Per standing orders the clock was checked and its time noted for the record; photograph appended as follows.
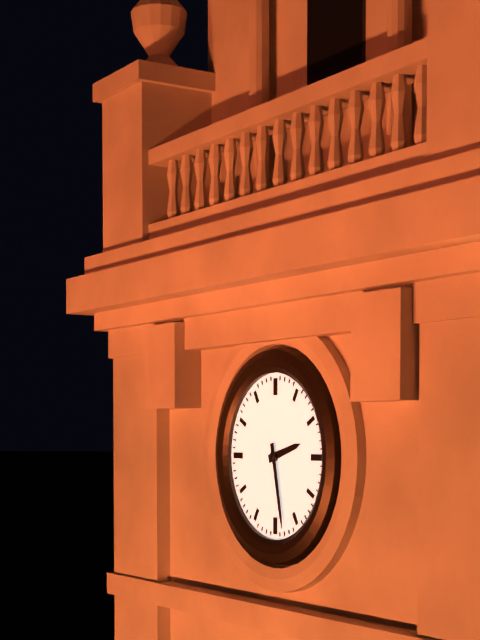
2:28
